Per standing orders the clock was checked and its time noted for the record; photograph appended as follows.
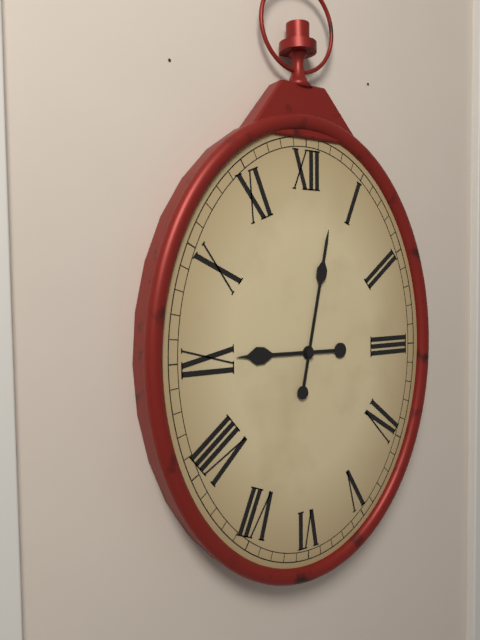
9:02
